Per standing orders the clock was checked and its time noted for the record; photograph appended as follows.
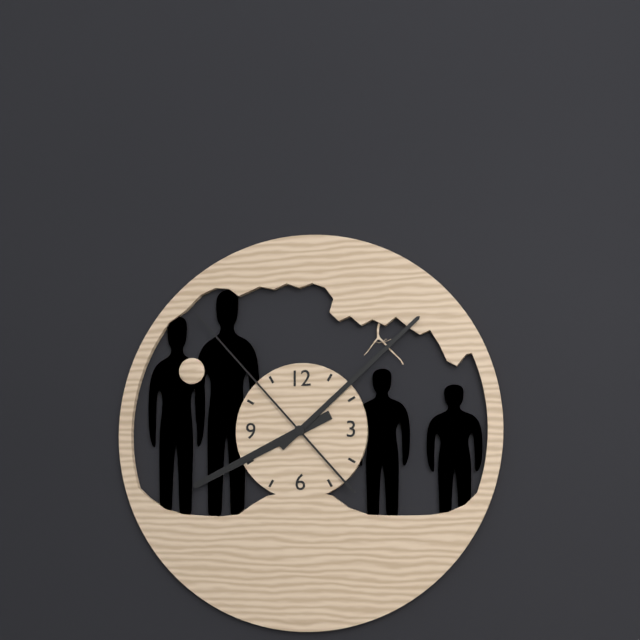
8:08:53
